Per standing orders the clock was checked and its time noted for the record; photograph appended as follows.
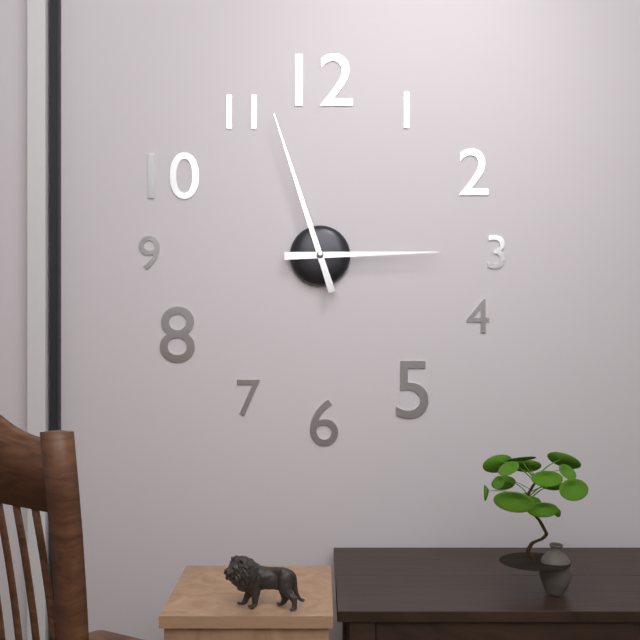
2:57
